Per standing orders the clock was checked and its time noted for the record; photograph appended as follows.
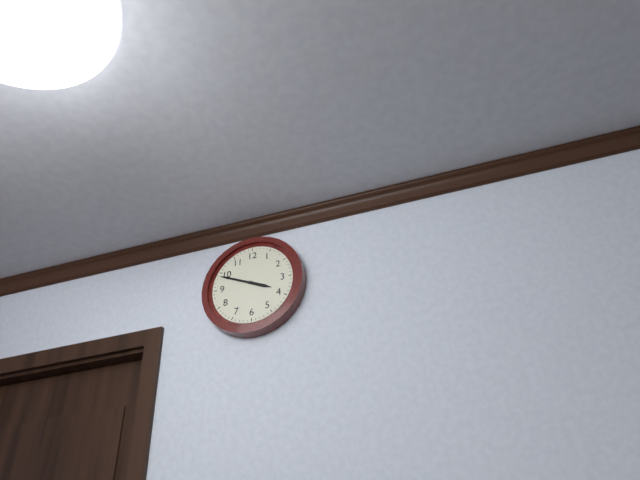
3:49
